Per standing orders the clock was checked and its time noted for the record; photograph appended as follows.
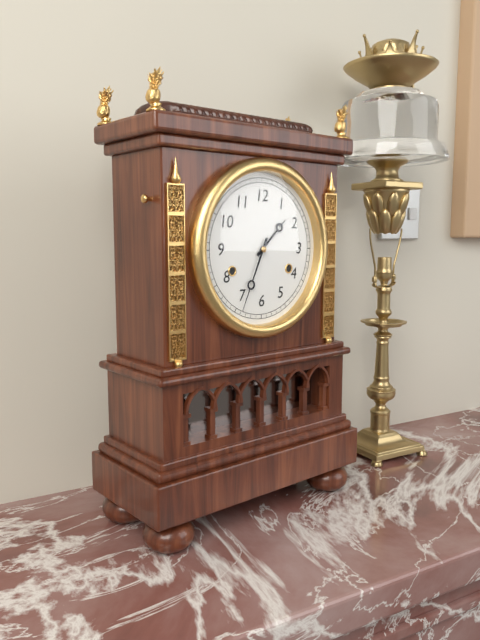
1:34
